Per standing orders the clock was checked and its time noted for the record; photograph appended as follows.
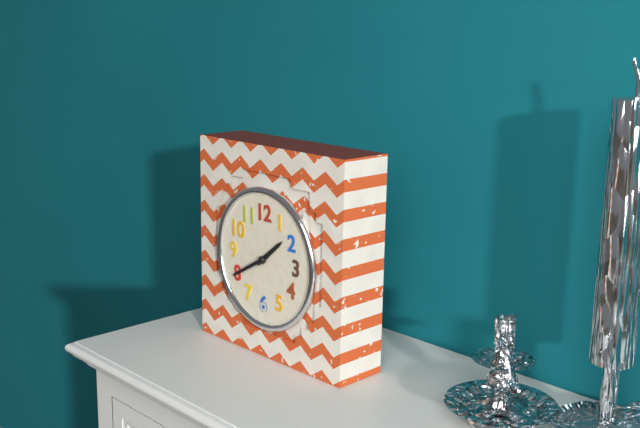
1:40
